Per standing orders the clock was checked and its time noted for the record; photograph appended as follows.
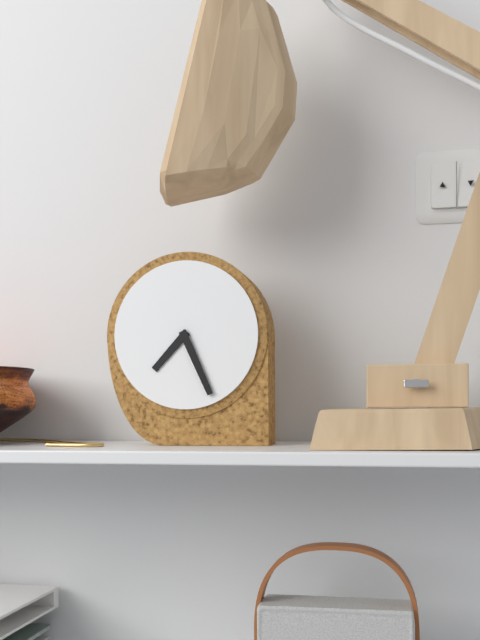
7:26
